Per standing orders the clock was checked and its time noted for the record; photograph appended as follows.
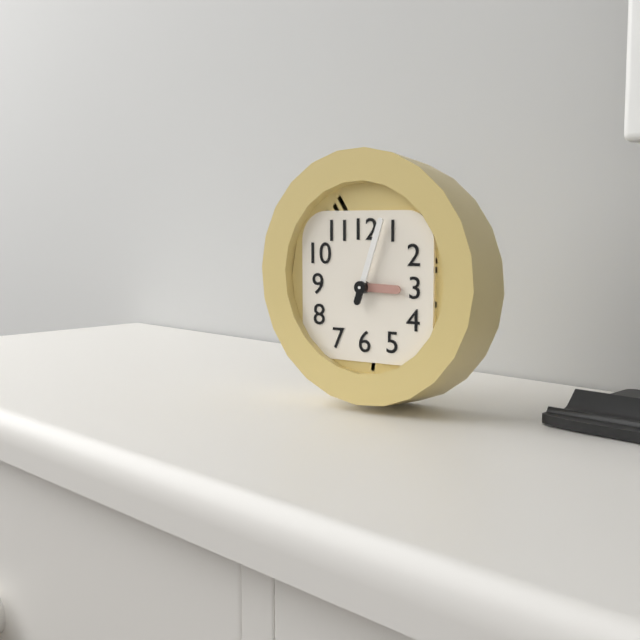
3:03
